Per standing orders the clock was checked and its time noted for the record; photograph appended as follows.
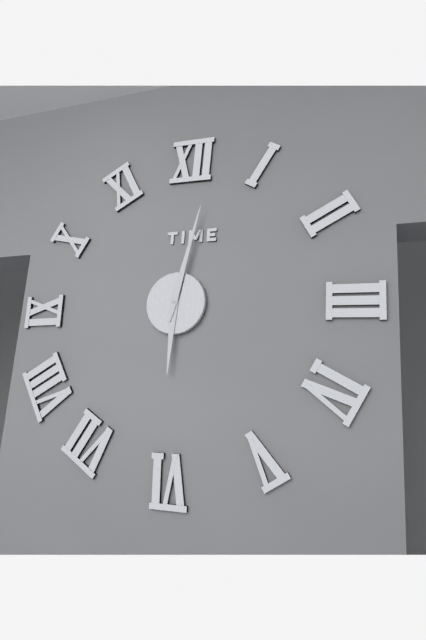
6:02
